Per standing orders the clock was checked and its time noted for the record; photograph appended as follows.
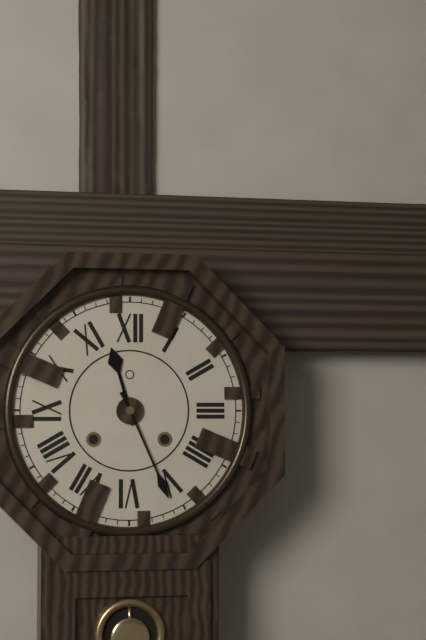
11:26
